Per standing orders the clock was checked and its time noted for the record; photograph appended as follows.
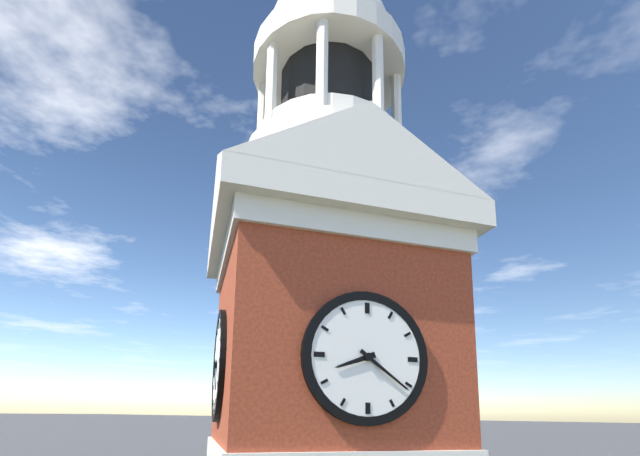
8:21
